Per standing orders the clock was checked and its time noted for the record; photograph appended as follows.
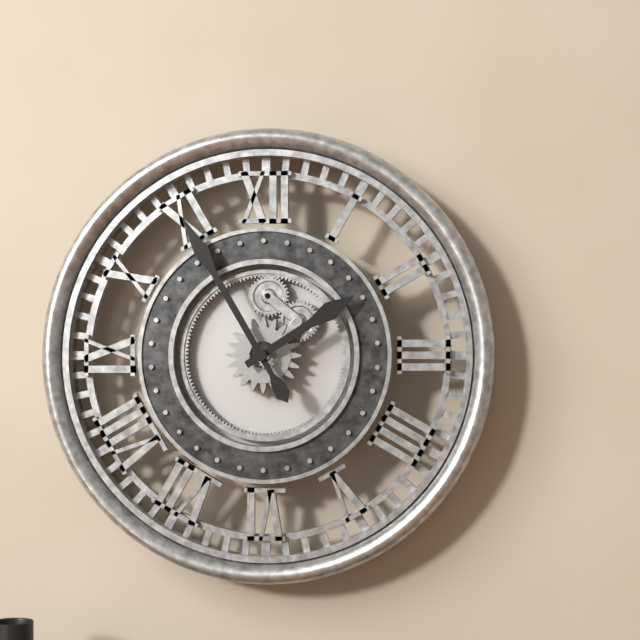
1:55
